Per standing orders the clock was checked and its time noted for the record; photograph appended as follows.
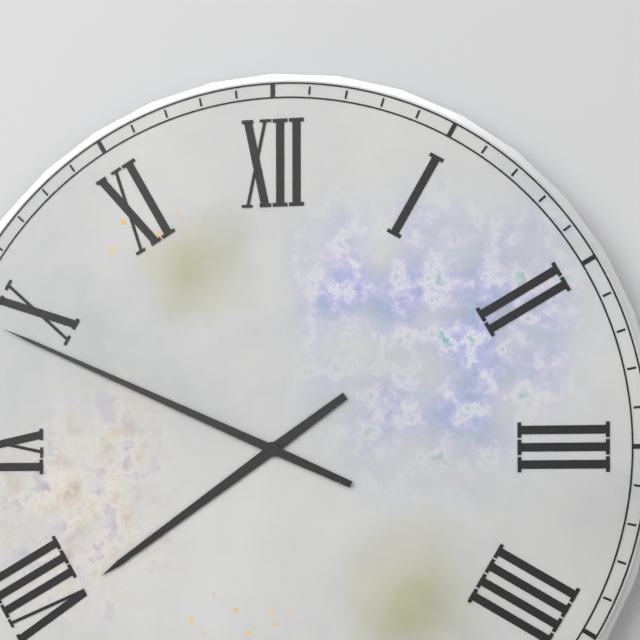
7:49
